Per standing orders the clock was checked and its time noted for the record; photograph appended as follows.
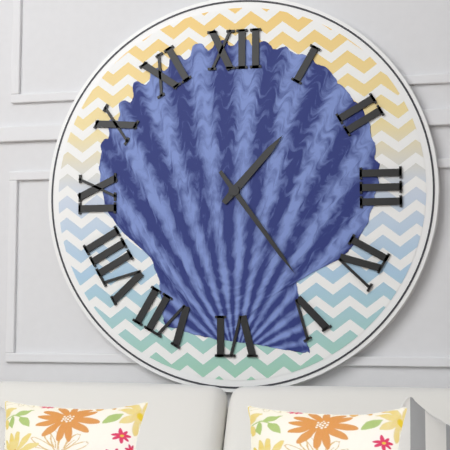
1:24
